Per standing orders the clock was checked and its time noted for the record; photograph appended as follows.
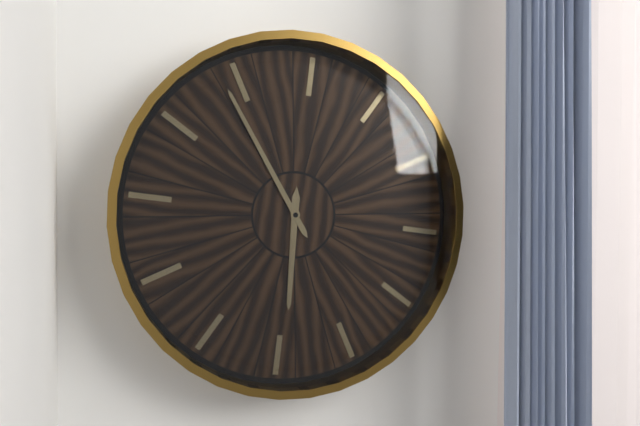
5:54
